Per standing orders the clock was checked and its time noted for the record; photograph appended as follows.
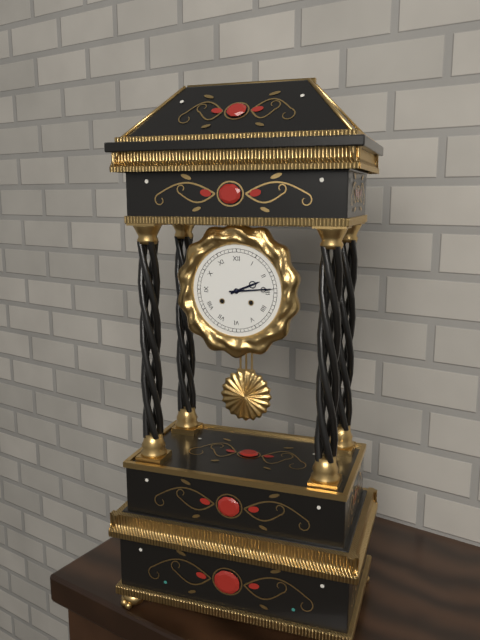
2:14
